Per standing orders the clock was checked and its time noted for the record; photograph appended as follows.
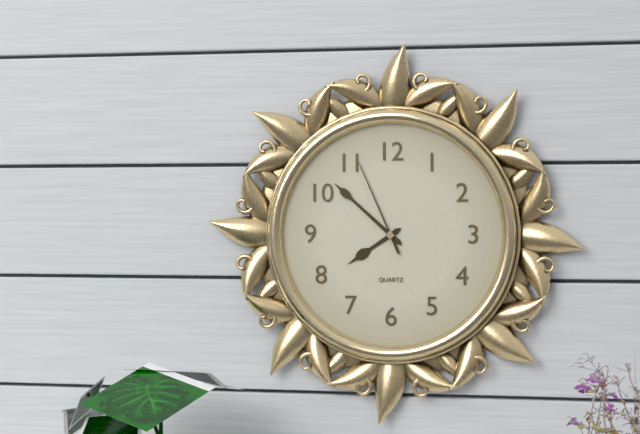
7:52:56
